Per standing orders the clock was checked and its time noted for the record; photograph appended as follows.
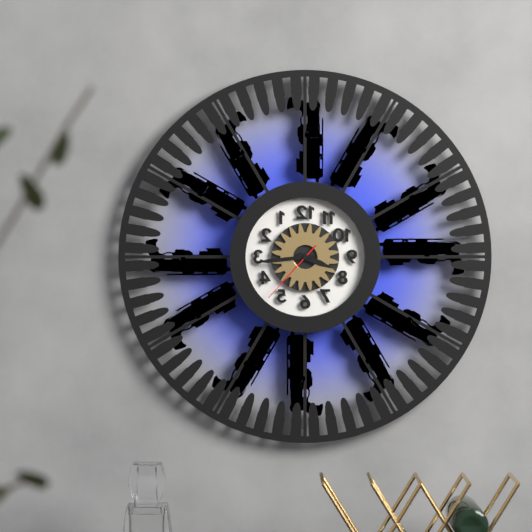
3:44:37
